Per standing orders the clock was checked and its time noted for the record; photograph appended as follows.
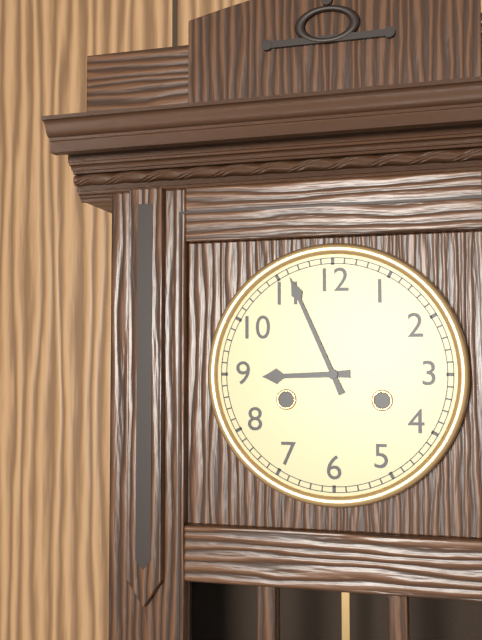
8:56
